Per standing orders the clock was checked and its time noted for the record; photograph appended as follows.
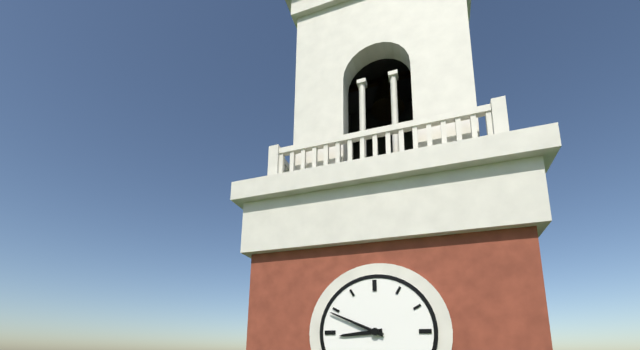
8:49
